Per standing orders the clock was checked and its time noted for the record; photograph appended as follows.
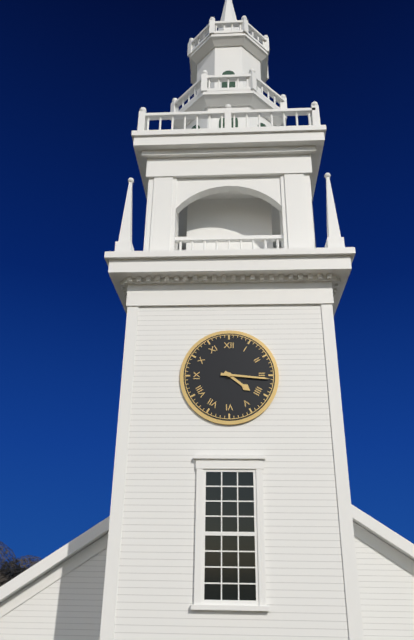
4:16
